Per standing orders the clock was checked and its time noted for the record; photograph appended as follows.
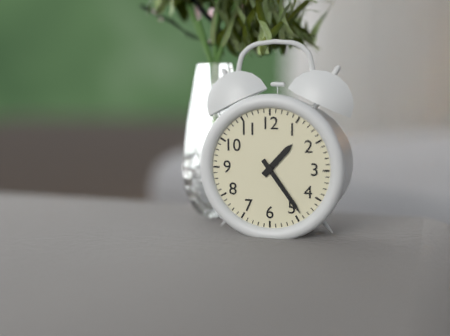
1:24
